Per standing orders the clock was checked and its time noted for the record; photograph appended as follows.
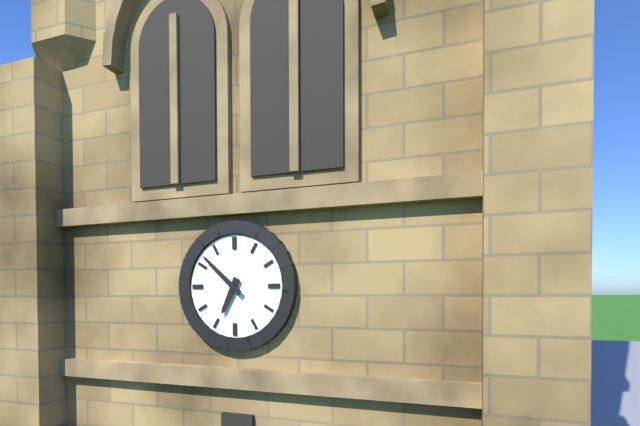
6:52
